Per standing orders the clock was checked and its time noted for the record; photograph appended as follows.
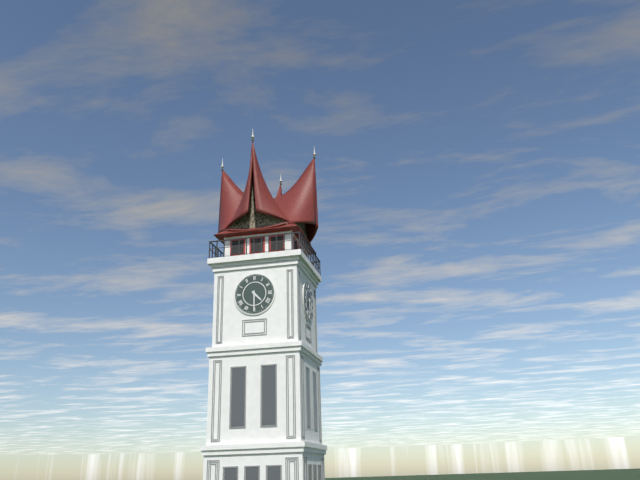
4:30
